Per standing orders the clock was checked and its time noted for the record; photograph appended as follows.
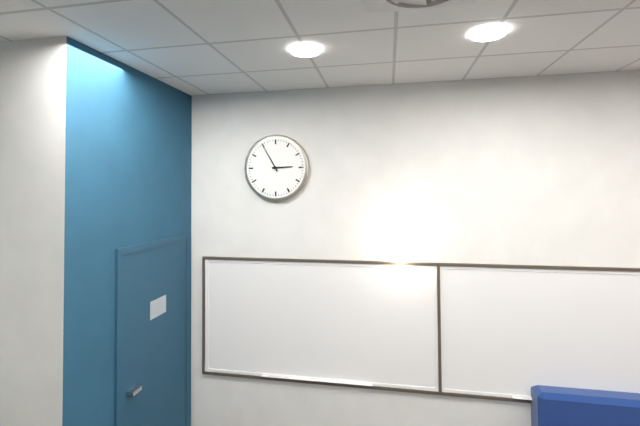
2:55
